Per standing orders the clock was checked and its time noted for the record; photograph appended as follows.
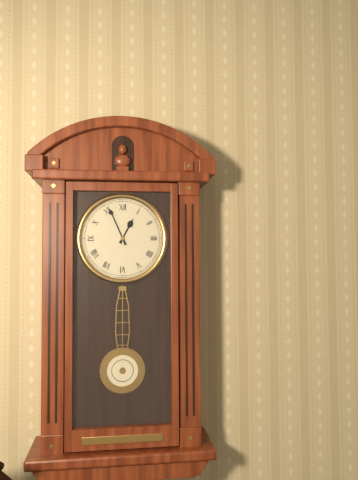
12:56
